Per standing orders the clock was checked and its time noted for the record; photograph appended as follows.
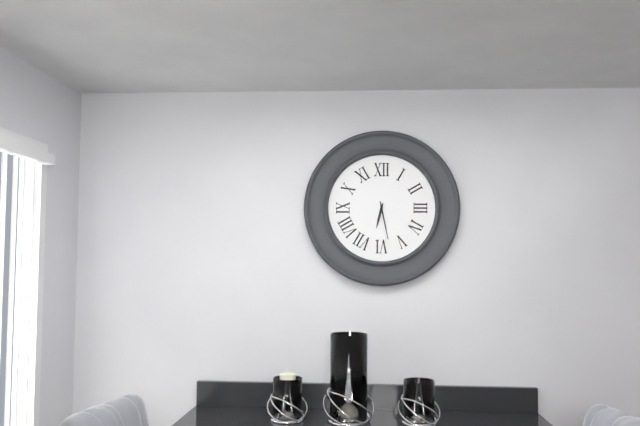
6:28
